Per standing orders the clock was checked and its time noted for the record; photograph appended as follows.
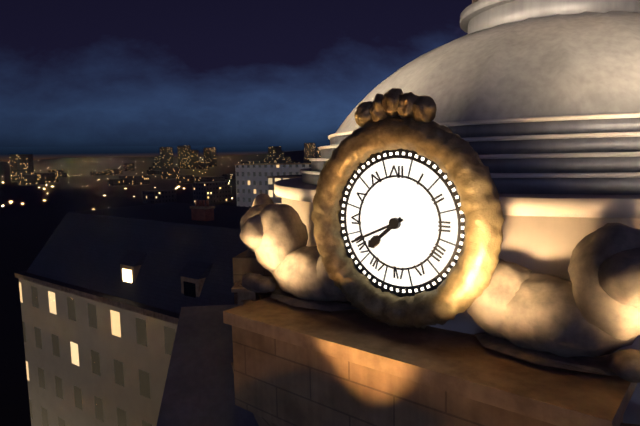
7:41
